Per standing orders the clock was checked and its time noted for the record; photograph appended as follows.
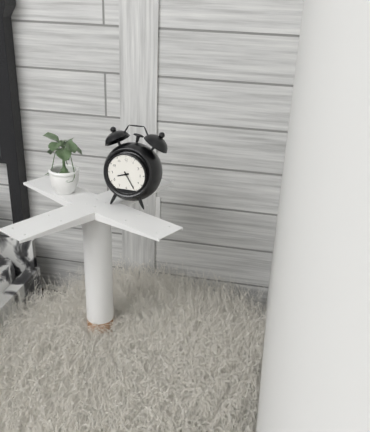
8:25
